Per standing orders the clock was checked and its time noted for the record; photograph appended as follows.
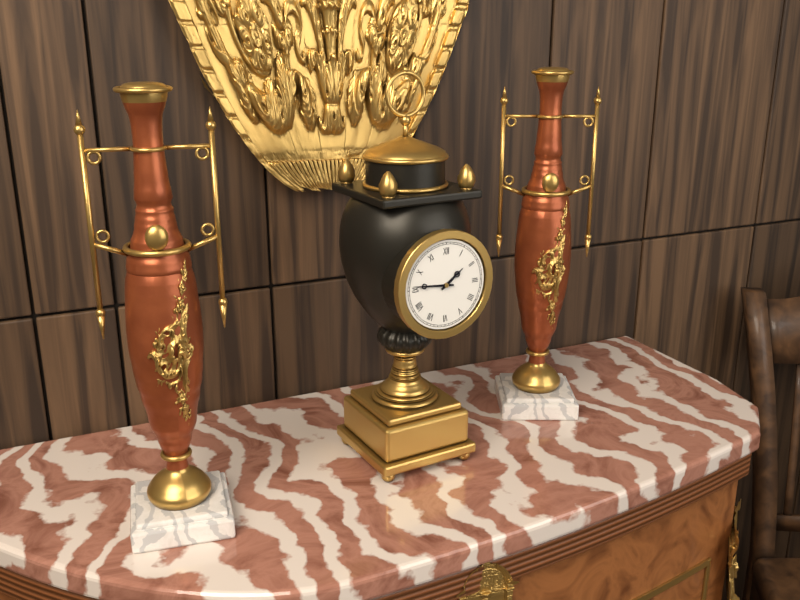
1:46
